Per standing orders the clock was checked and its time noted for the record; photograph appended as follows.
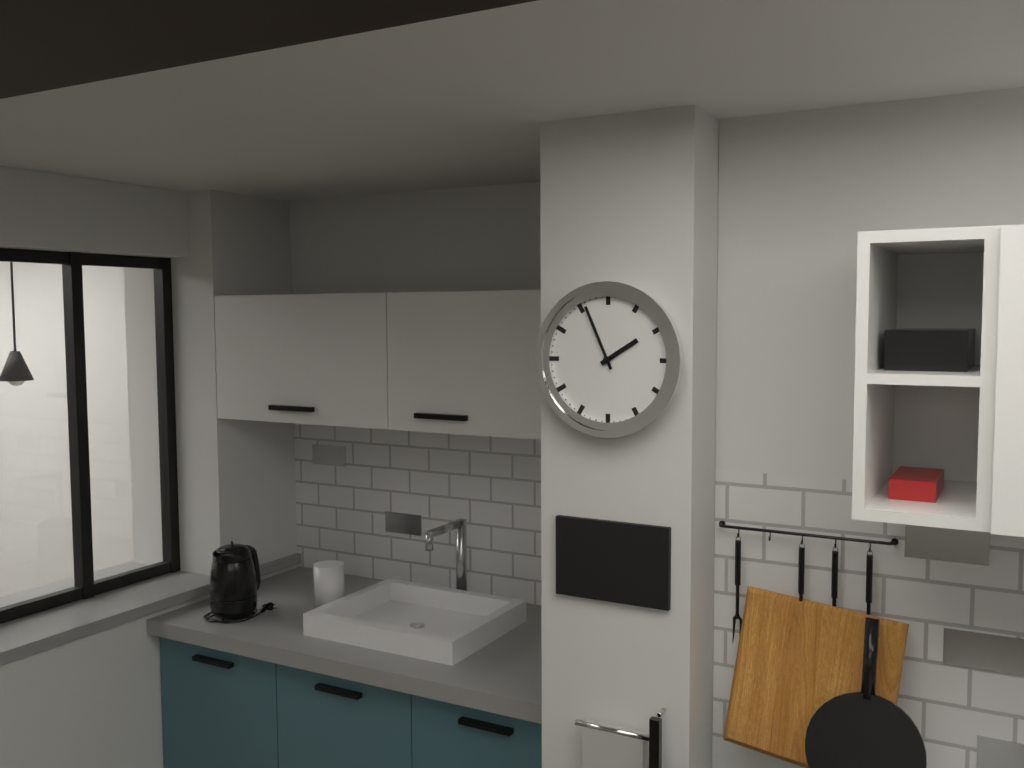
1:56
